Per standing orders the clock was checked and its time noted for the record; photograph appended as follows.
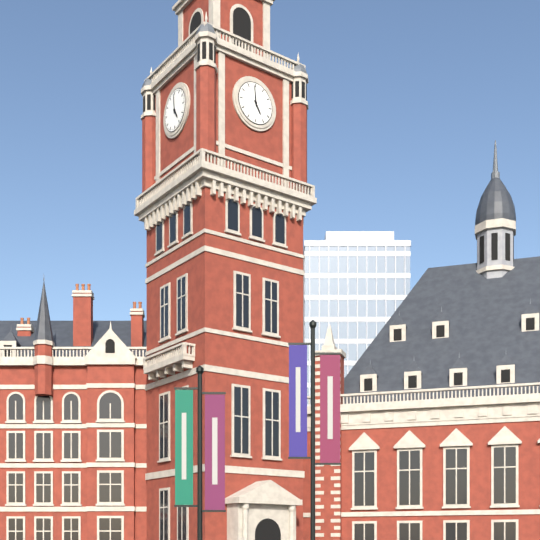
4:59
